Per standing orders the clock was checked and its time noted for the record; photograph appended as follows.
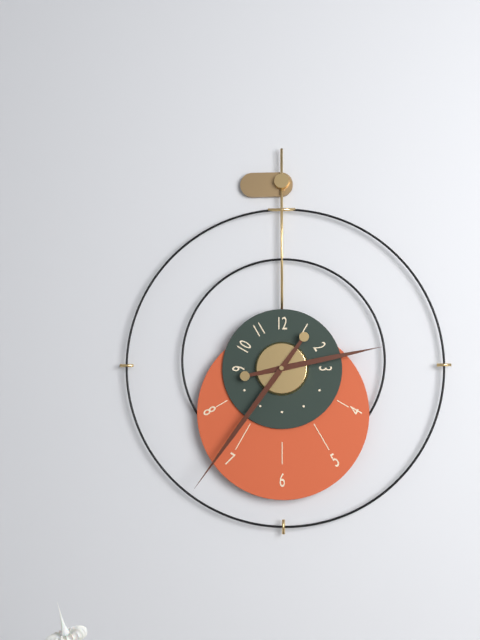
2:36
